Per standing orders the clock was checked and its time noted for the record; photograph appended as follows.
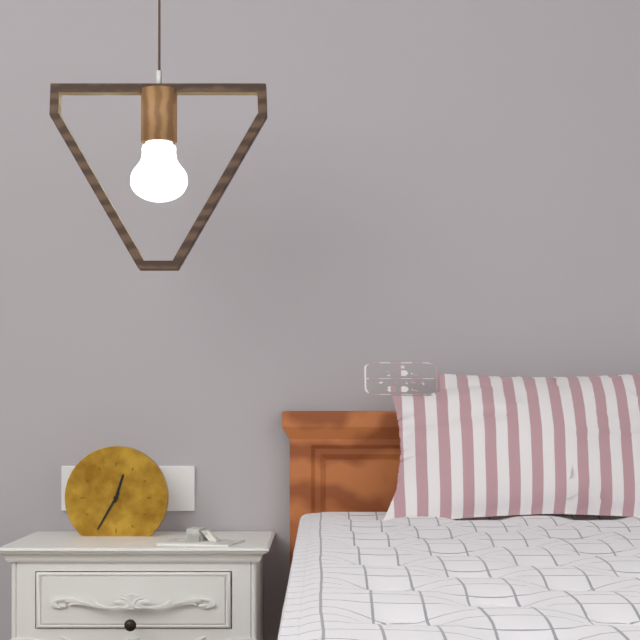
12:35
